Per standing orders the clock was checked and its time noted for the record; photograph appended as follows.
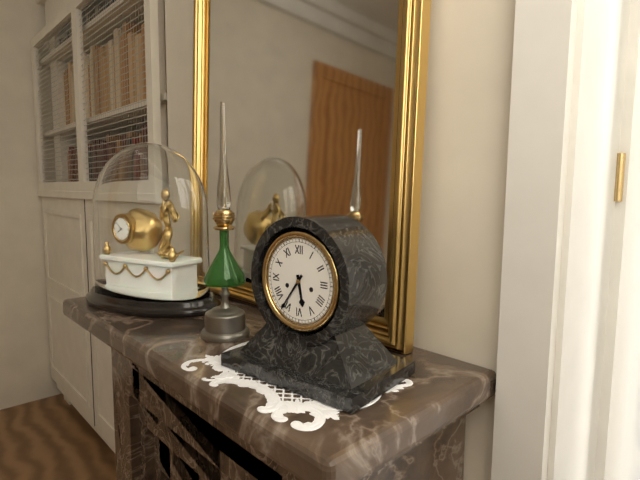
5:36
